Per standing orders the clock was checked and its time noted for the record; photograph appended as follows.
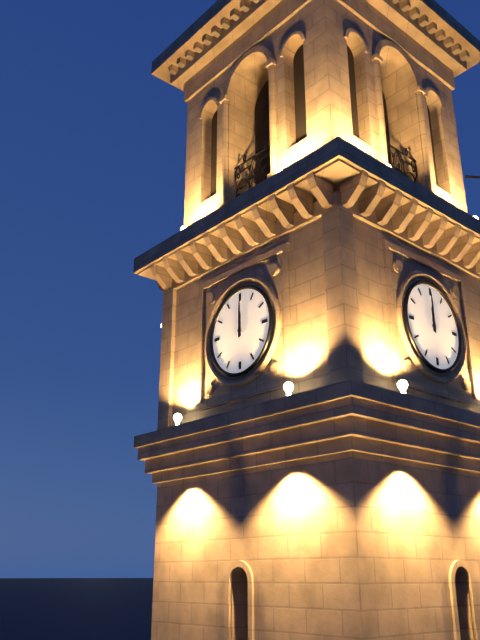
12:00
